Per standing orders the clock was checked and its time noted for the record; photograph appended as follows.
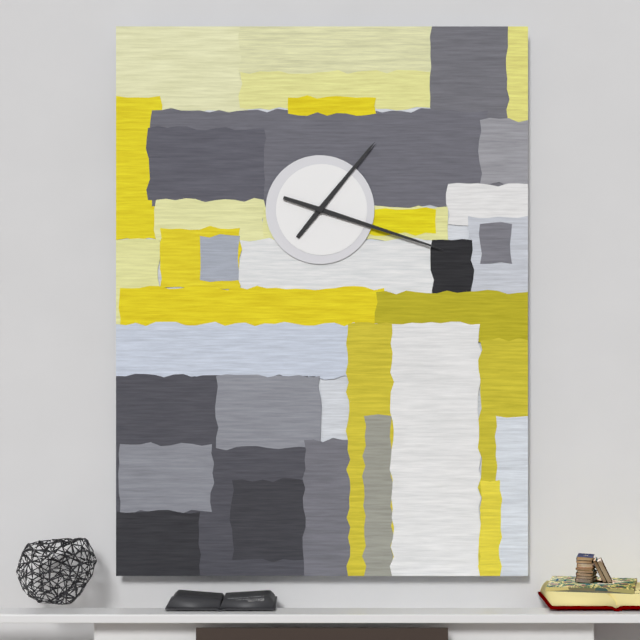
1:18
